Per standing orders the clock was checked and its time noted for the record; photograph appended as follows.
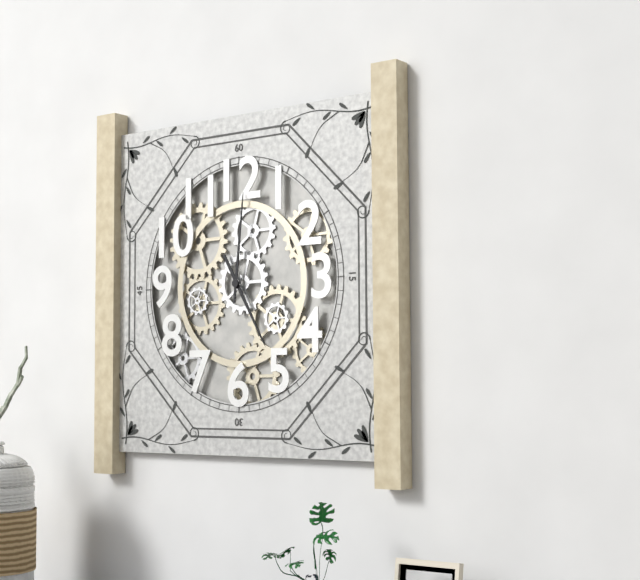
5:01
